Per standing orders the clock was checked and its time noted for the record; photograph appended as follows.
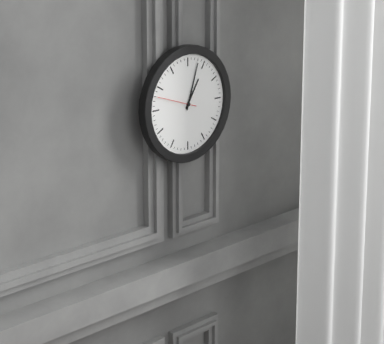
1:03
